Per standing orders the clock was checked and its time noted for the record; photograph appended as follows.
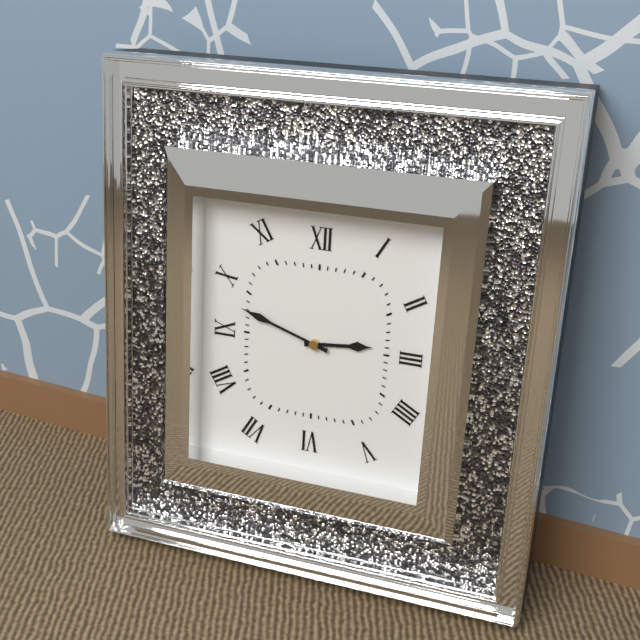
2:48
